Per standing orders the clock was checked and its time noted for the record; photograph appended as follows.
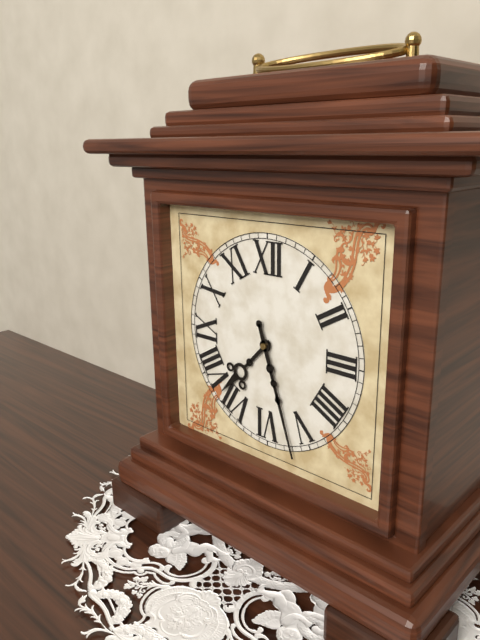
7:27
